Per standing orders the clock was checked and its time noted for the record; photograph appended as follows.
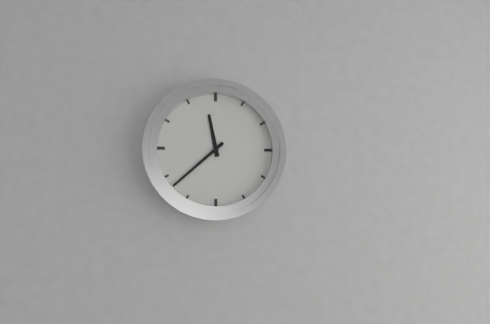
11:38
